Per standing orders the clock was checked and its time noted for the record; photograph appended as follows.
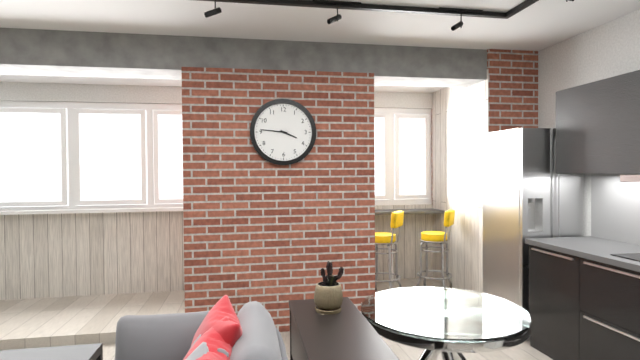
3:46
